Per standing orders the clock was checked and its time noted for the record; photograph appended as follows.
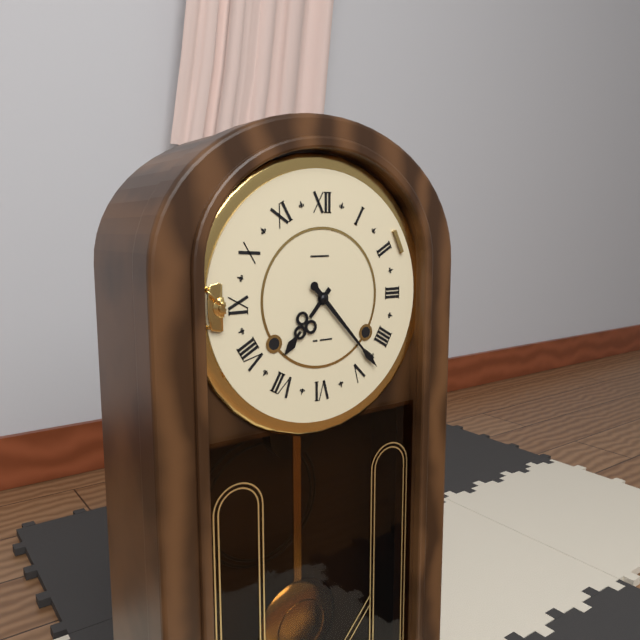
7:23
